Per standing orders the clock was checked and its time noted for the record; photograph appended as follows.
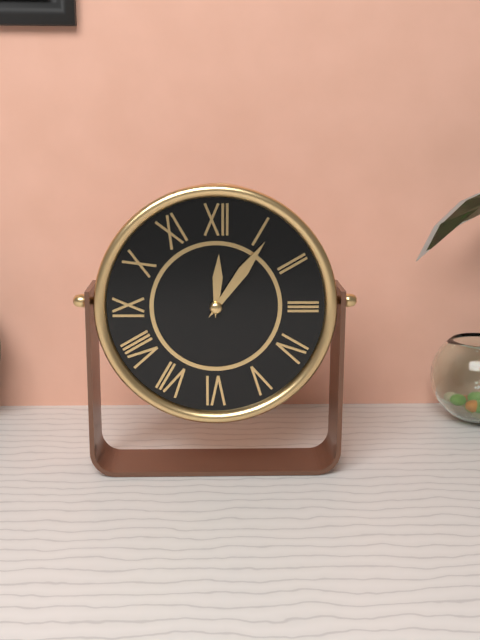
12:06
